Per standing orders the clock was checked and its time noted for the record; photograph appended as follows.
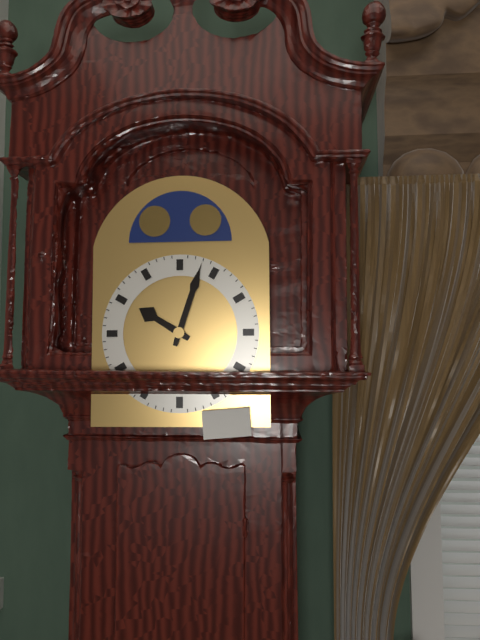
10:03
